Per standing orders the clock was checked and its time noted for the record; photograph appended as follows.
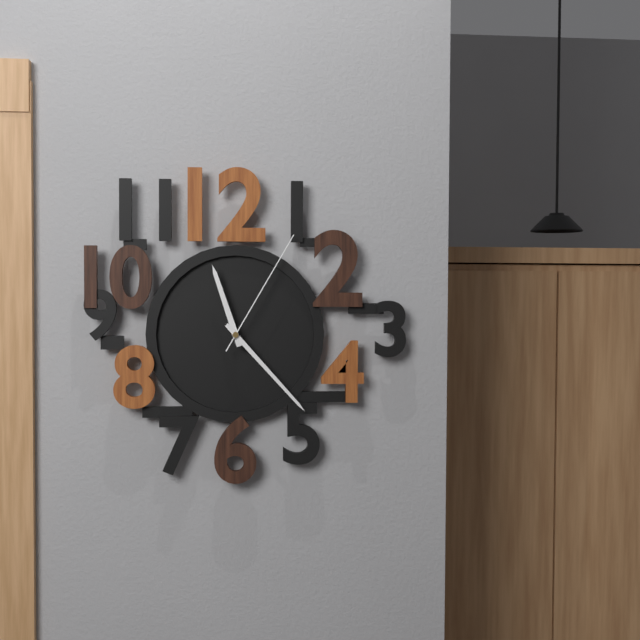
11:23:05
